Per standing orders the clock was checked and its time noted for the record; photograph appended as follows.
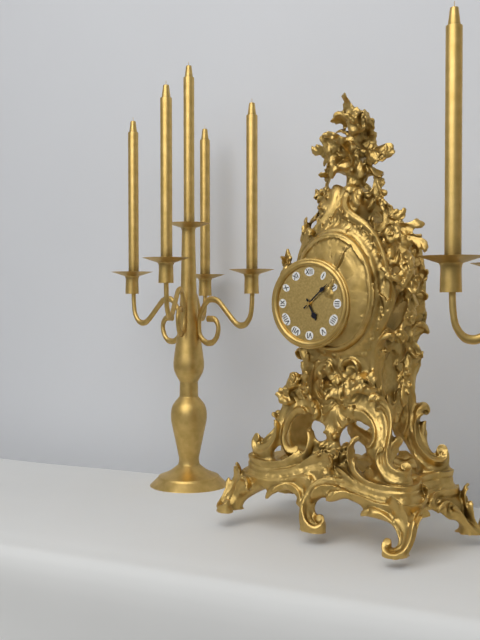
5:08
